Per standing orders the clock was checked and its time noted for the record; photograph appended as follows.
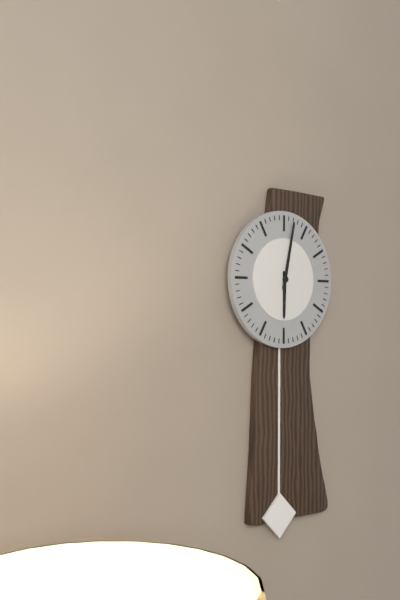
6:02
